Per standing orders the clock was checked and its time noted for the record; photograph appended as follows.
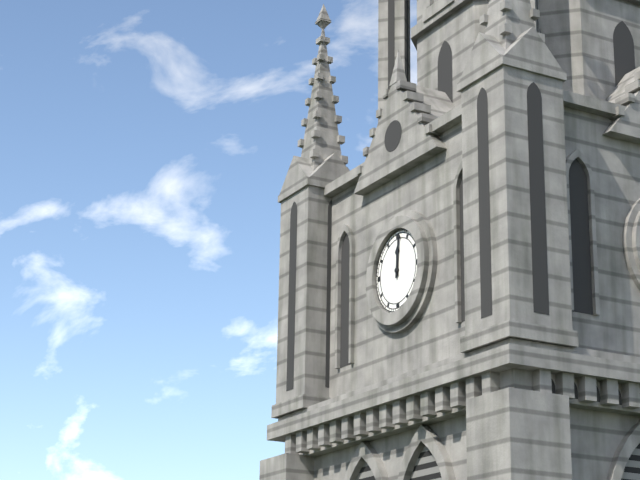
12:01
